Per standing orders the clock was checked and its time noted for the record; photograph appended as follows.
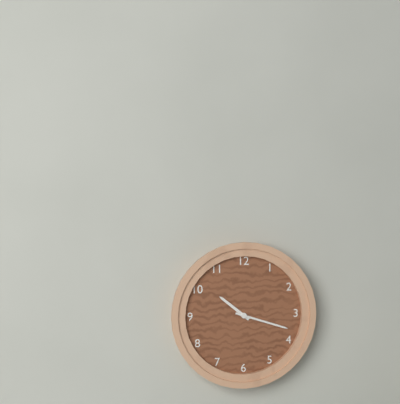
10:18
